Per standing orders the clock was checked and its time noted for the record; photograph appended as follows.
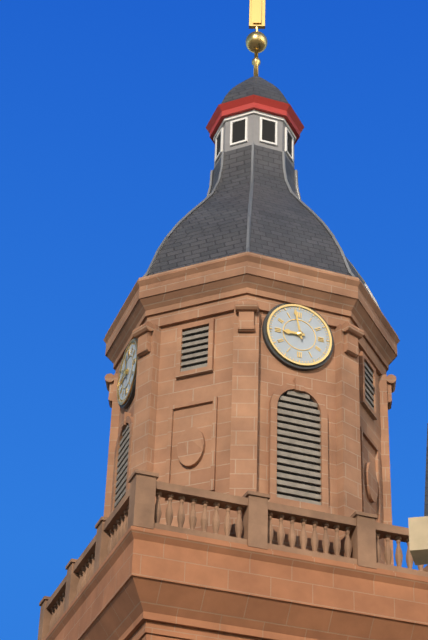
8:58
